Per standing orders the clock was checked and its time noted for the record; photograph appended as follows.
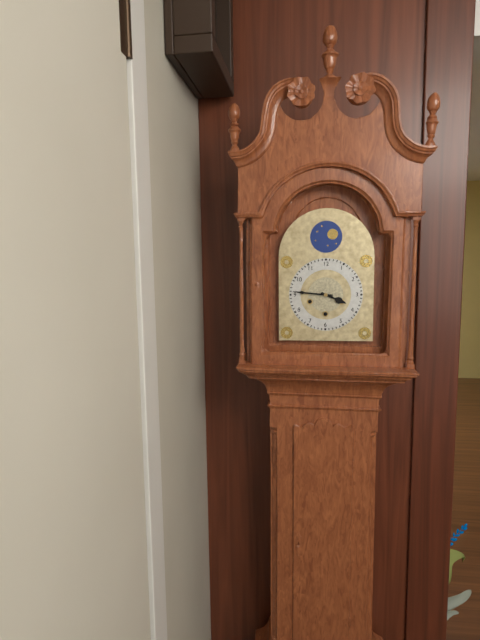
3:46
